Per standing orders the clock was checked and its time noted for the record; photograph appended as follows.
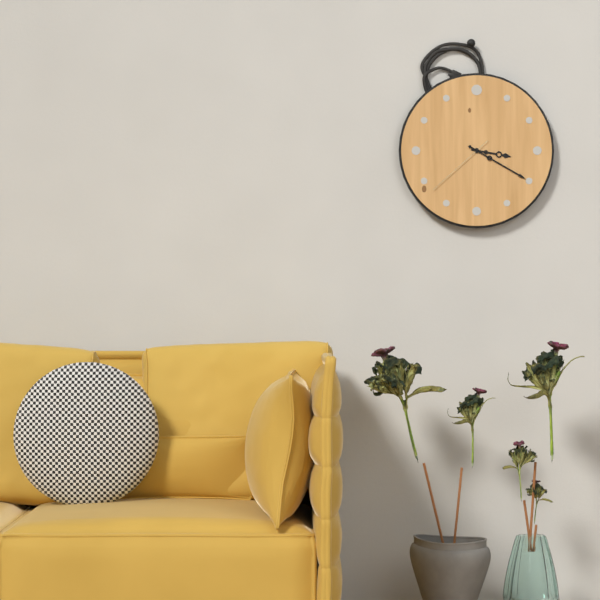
3:20:38
